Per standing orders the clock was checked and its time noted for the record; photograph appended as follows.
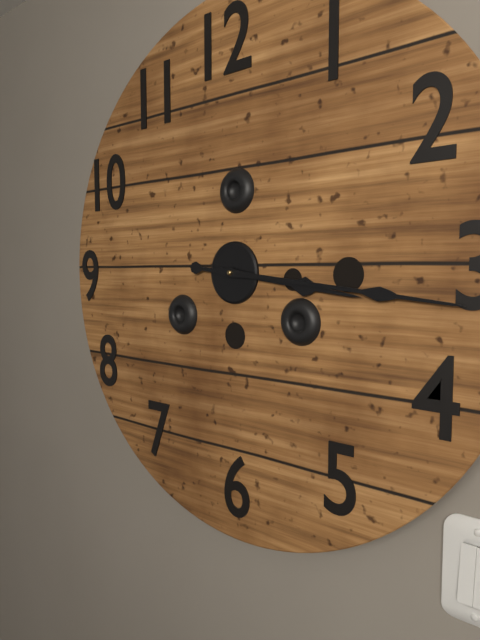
3:16
